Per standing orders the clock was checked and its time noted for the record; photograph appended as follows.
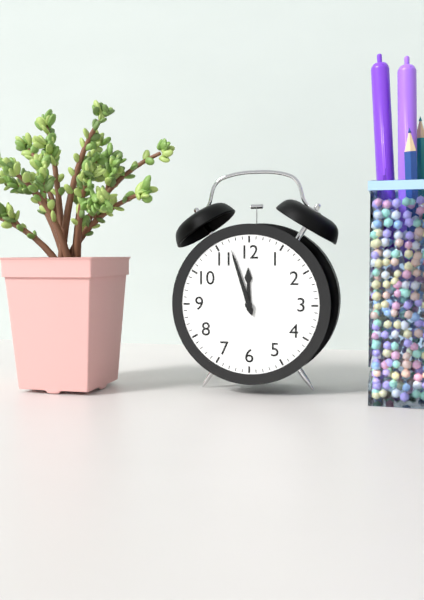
11:57
